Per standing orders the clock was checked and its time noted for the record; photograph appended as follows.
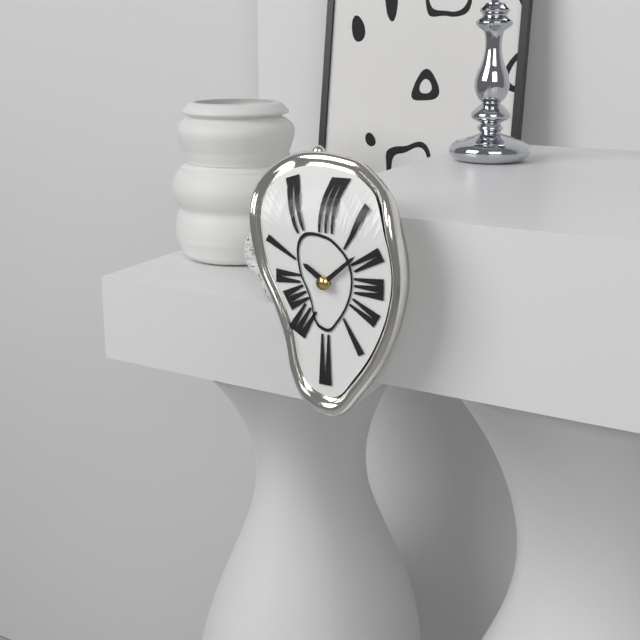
10:08
